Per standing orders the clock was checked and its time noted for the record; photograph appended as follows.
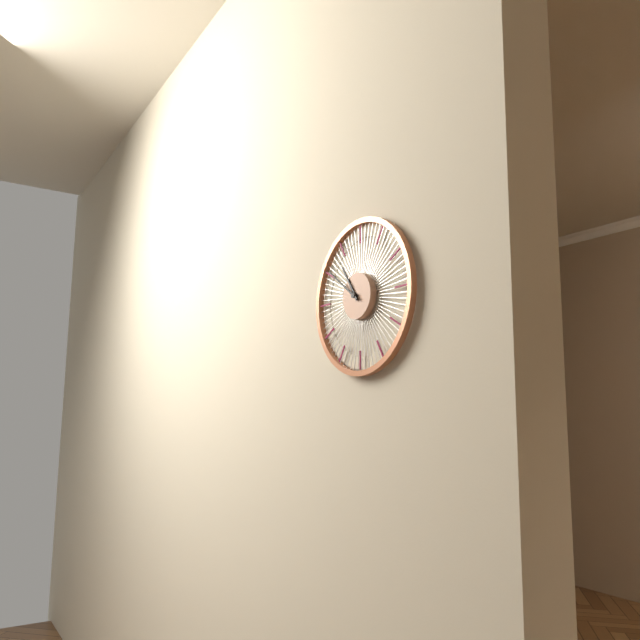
10:51
